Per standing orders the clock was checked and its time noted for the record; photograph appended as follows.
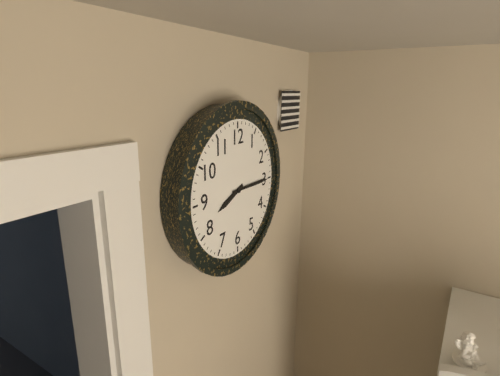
8:15
